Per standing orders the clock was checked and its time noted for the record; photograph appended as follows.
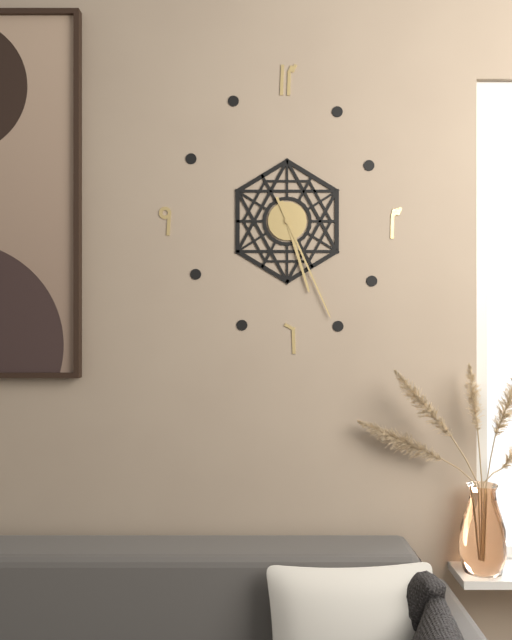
5:26
